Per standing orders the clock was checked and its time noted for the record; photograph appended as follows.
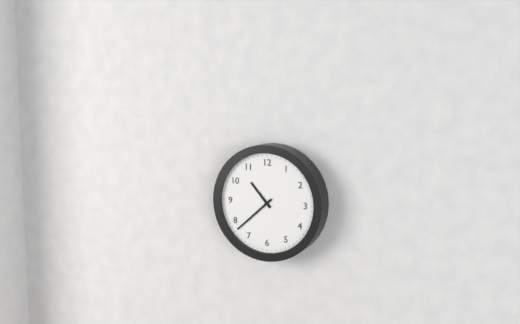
10:38
